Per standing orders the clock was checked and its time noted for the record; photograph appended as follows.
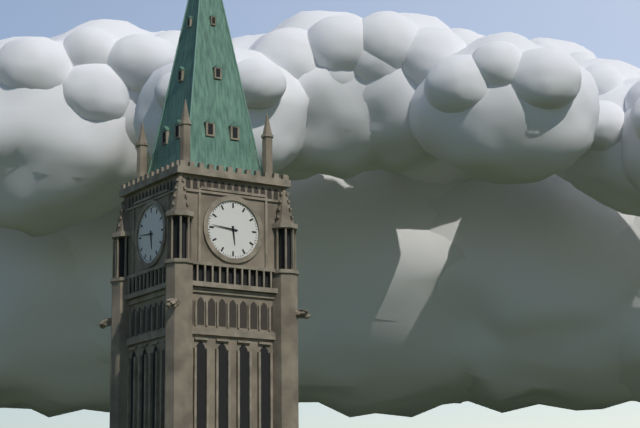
5:46
